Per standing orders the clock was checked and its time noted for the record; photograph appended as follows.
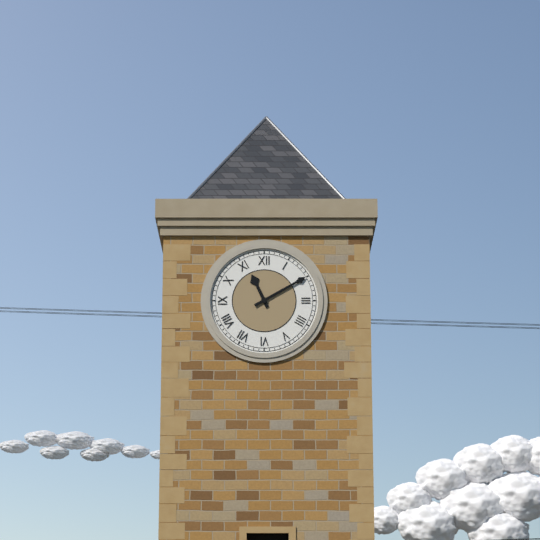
11:10
